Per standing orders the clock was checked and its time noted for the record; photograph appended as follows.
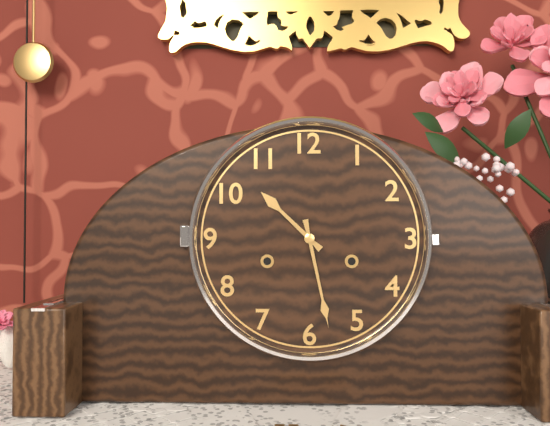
10:28
